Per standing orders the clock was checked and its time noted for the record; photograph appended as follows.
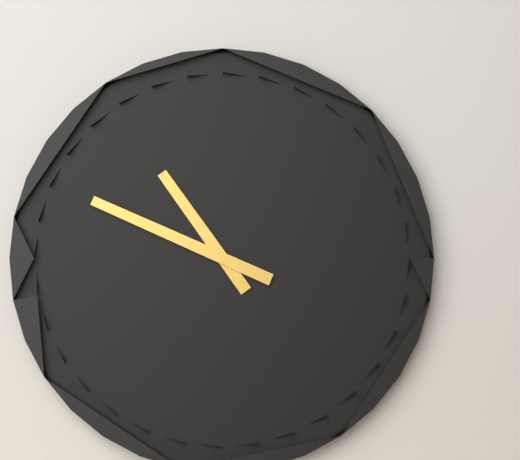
10:49
